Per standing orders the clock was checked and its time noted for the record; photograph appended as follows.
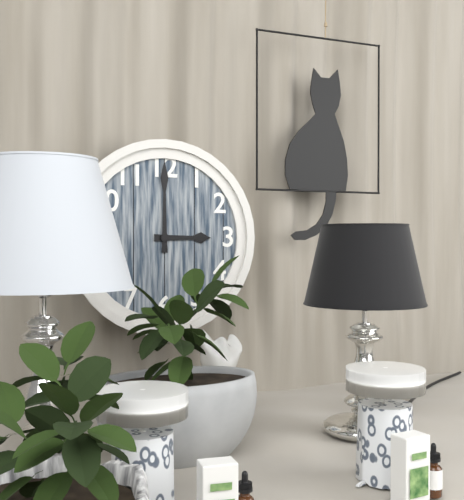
3:00
